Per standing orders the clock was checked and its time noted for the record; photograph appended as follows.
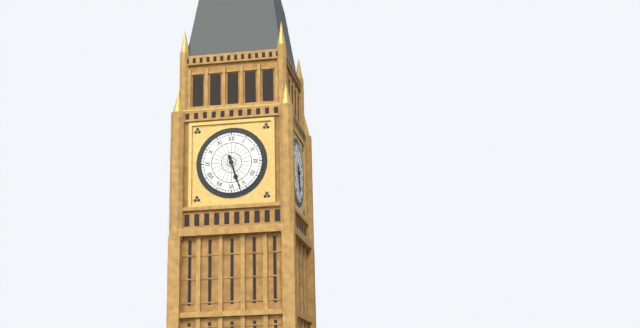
5:27
